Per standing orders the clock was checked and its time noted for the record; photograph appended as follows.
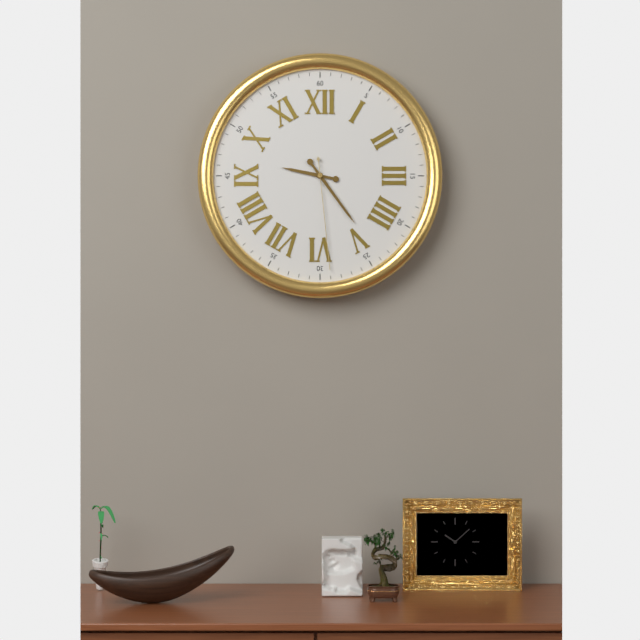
9:24:29
